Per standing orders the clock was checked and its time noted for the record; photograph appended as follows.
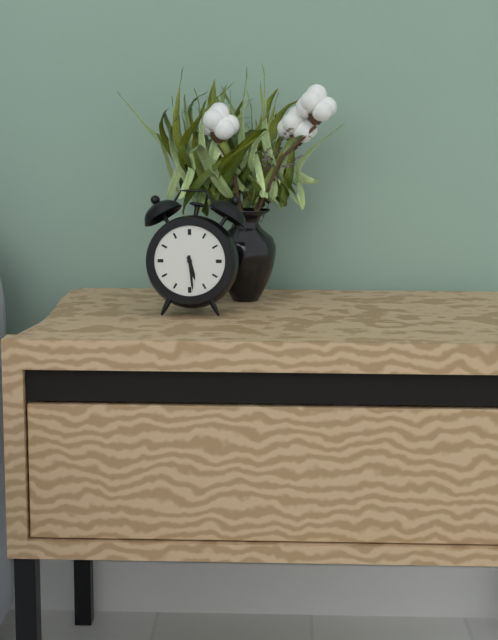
5:29
